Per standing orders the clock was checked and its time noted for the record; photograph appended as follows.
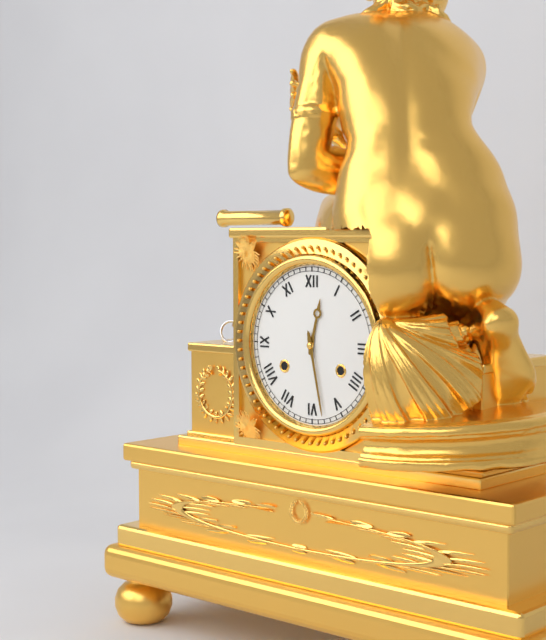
12:28
